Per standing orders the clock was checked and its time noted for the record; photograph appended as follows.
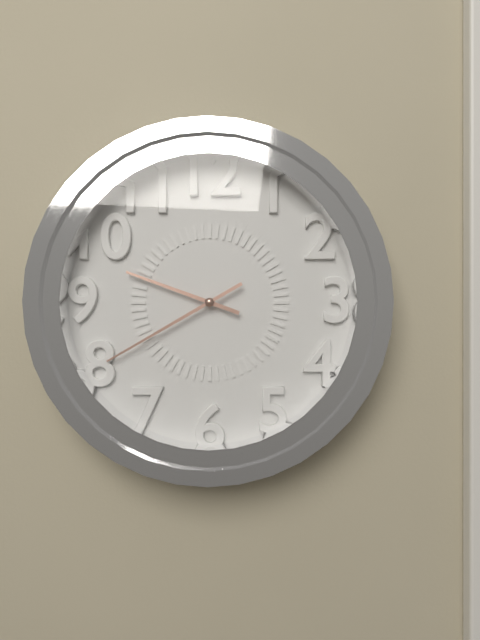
9:40
